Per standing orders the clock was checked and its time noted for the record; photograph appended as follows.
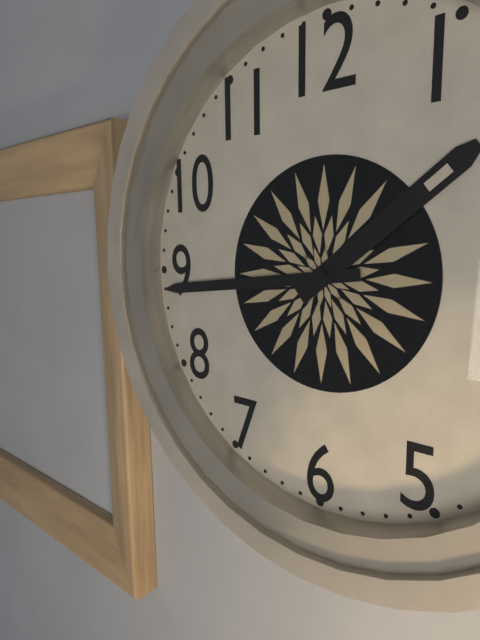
1:44
